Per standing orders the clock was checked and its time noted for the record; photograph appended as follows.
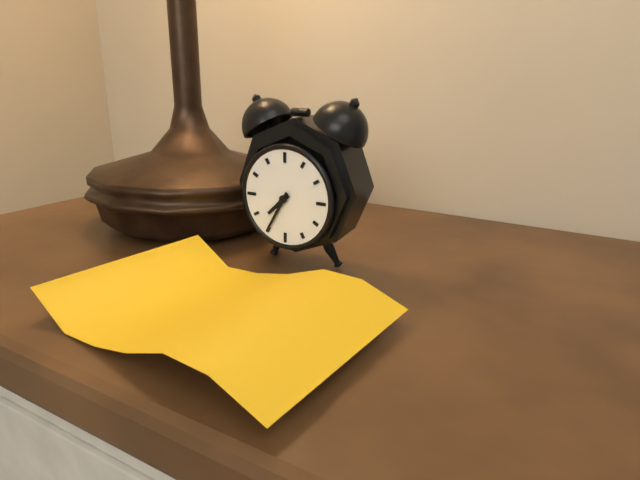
7:35
